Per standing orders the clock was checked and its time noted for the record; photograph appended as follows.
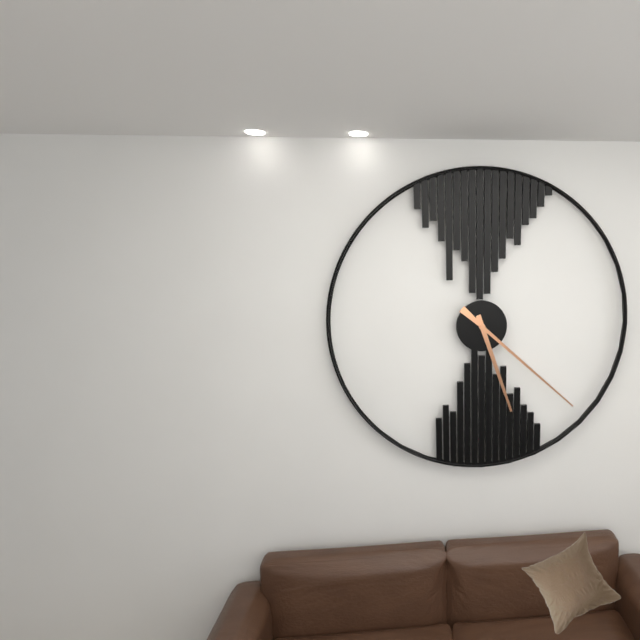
5:22
